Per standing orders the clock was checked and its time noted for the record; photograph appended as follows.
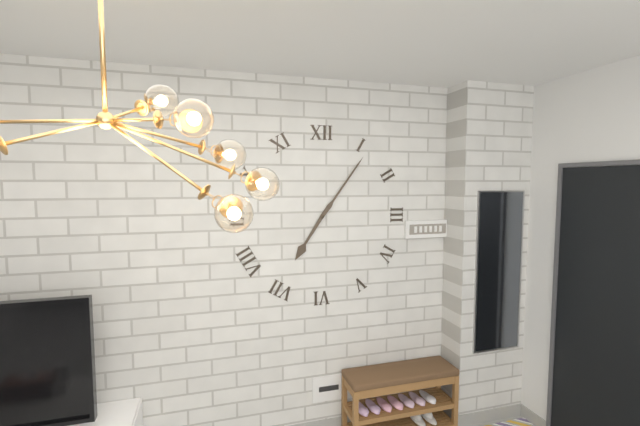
7:06
